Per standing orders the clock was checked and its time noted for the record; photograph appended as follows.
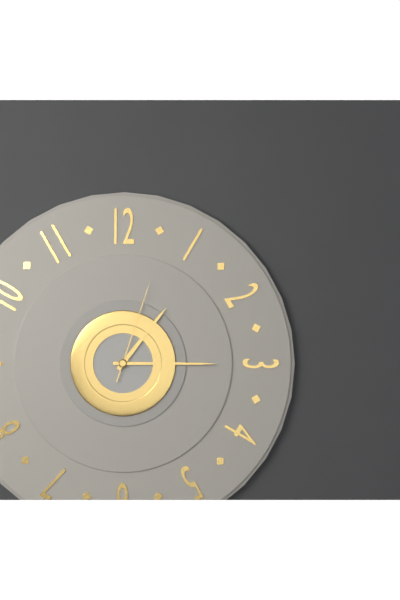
1:15:03
